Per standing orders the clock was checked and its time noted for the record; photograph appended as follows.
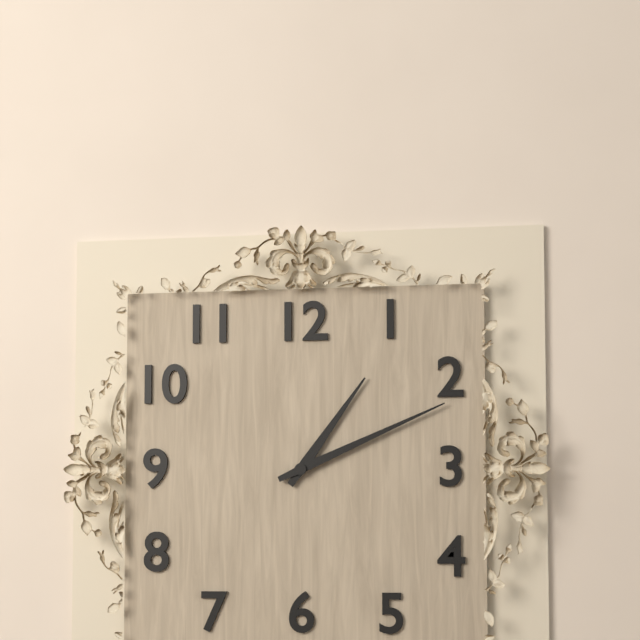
1:11
